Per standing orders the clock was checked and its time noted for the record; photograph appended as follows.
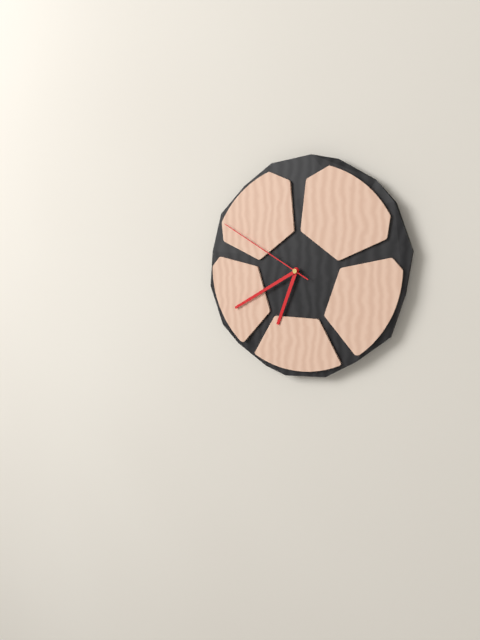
6:40:50
